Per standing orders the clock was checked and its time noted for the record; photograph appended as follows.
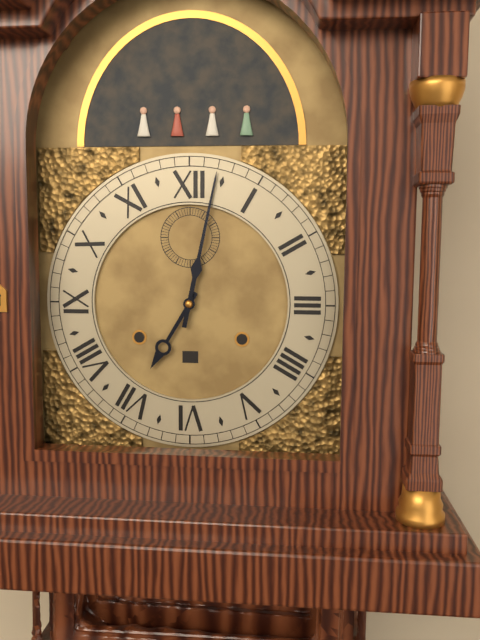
7:02
